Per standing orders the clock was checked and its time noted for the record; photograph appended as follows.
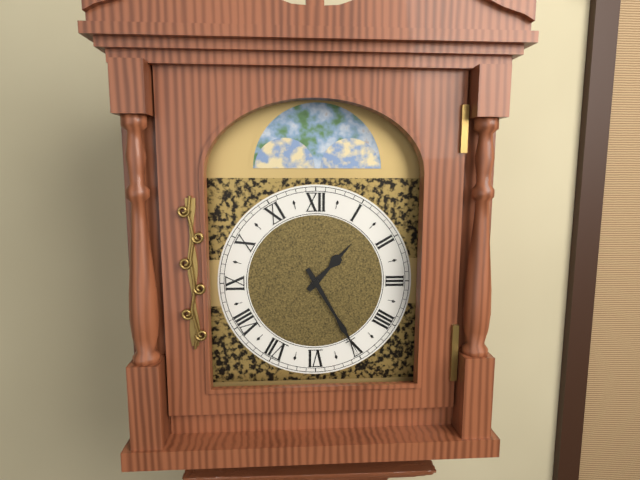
1:25
